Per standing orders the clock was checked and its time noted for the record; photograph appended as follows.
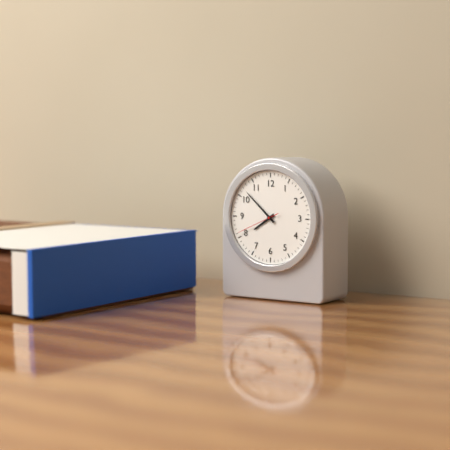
7:52
